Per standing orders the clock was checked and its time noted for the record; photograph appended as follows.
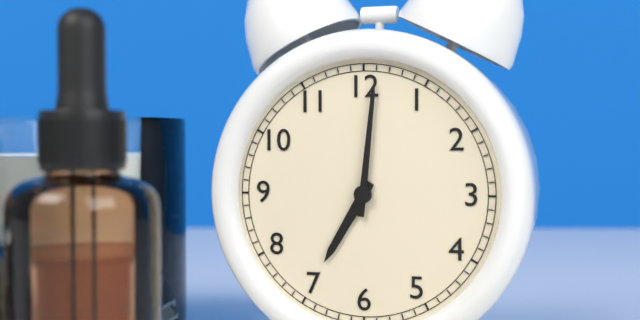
7:01
